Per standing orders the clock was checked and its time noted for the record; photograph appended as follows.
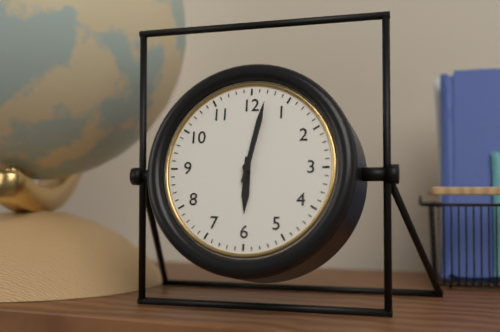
6:02
